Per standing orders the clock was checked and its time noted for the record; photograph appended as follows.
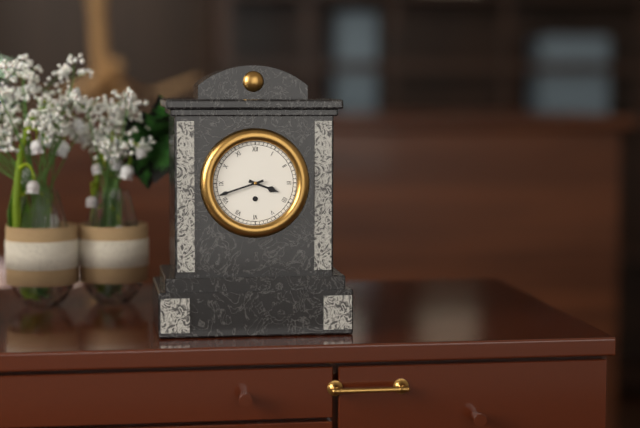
3:42
